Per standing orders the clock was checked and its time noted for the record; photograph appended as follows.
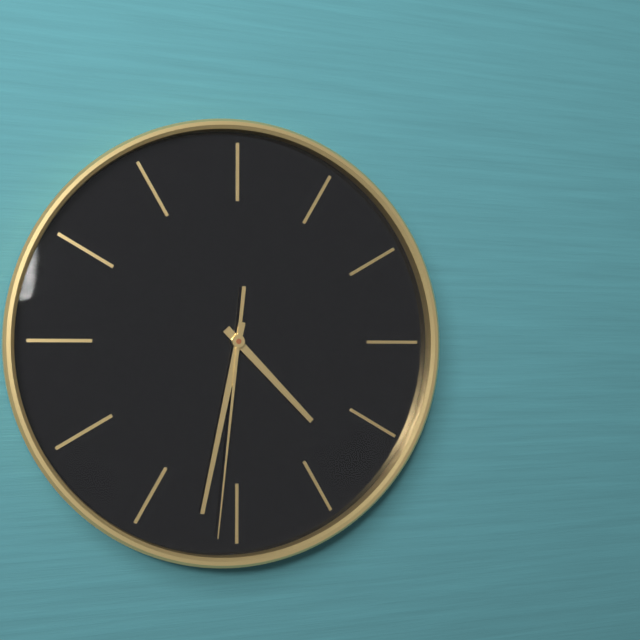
4:32:31
